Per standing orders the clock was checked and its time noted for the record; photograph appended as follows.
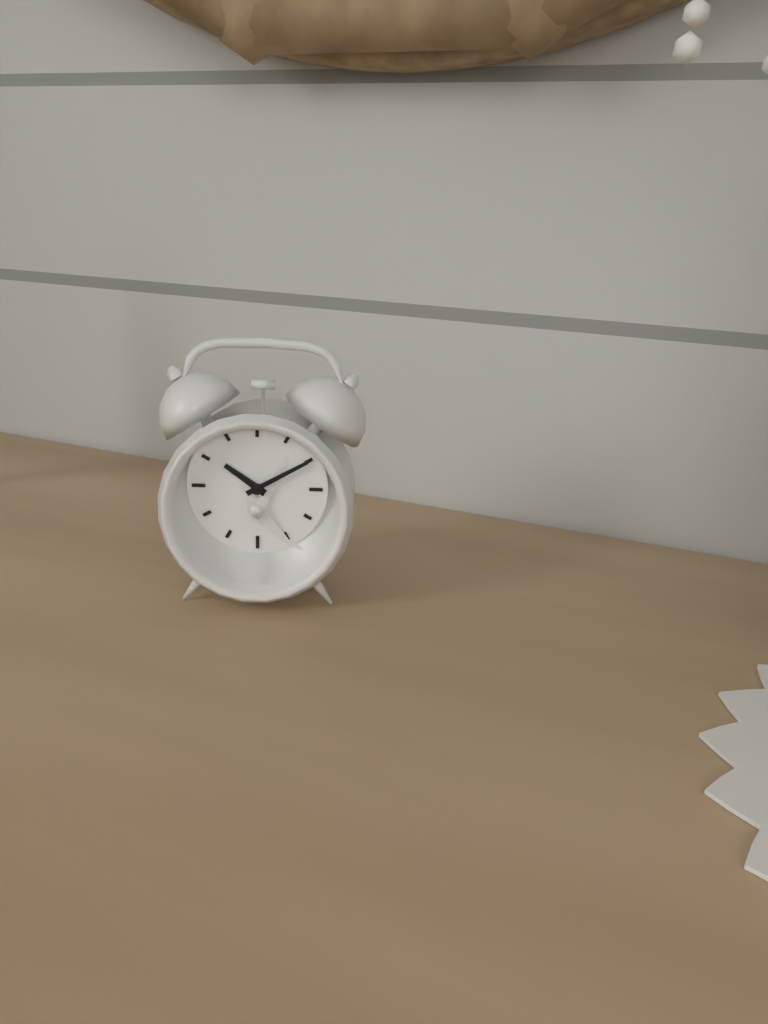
10:10
